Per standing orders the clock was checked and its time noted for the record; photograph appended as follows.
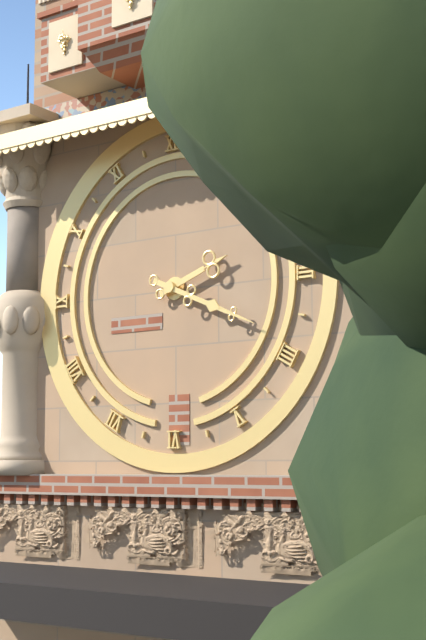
2:19
